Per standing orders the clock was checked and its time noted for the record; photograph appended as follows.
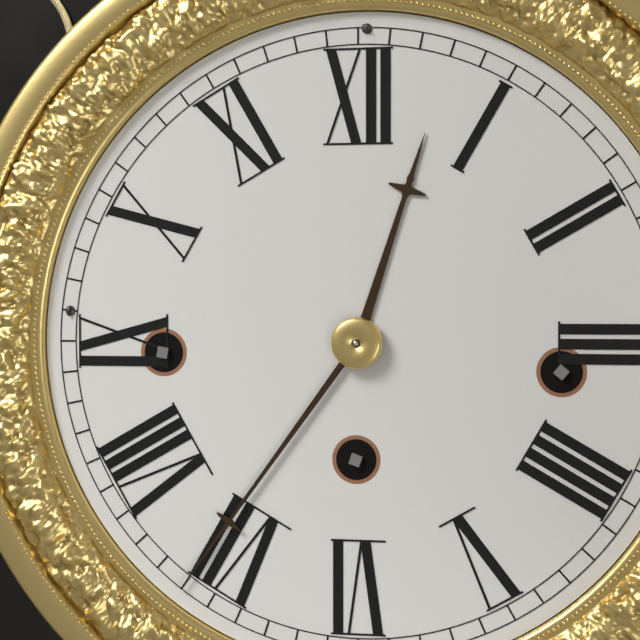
12:36
